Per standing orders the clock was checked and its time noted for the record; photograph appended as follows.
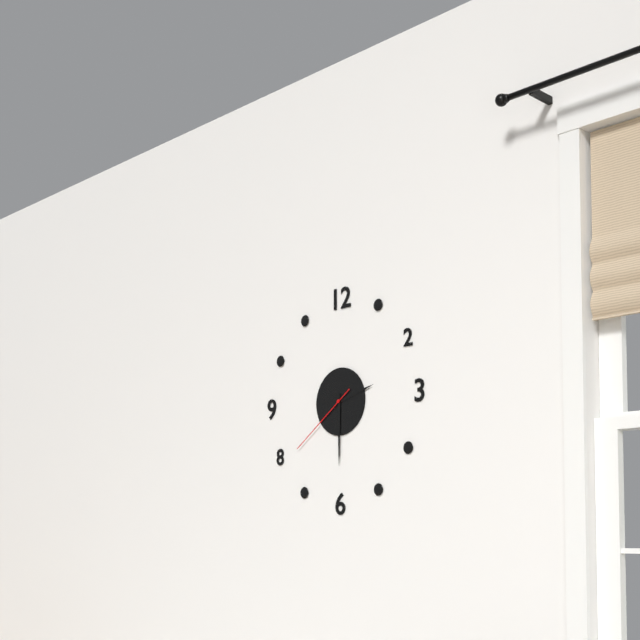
2:30:39
